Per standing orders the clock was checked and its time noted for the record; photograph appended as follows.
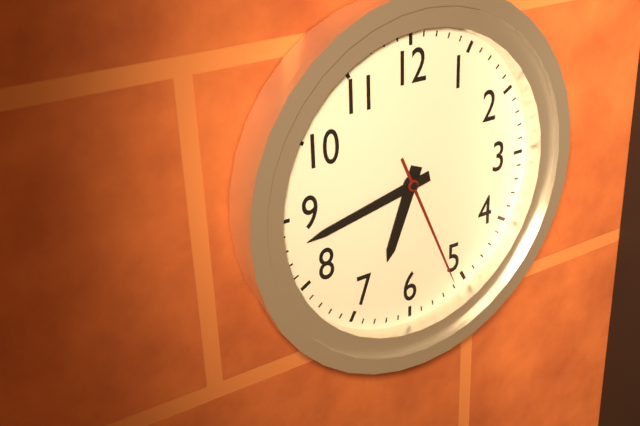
6:43:26
